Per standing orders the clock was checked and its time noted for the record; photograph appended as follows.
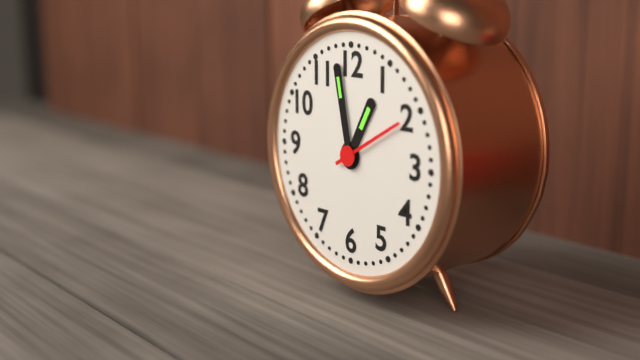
12:58:10
